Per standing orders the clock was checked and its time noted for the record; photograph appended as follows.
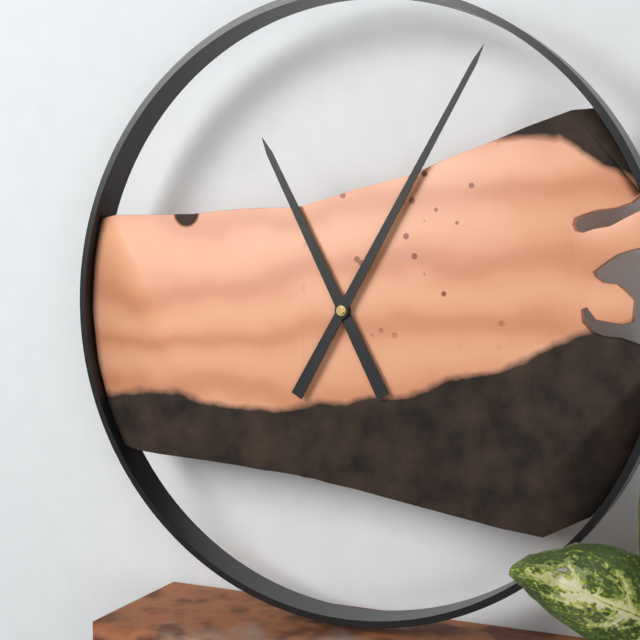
11:05
